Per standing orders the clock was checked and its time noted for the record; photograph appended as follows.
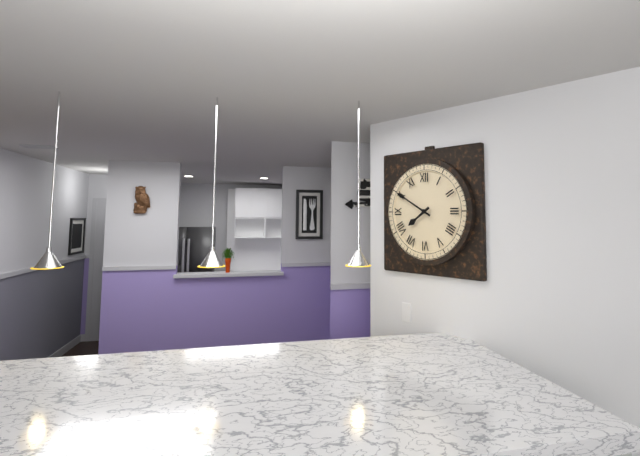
7:50
